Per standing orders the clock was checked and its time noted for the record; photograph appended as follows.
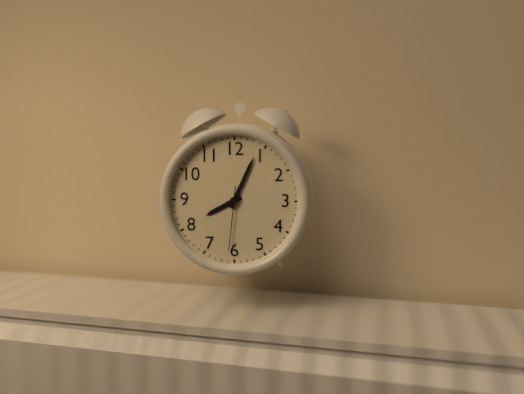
8:04:31
